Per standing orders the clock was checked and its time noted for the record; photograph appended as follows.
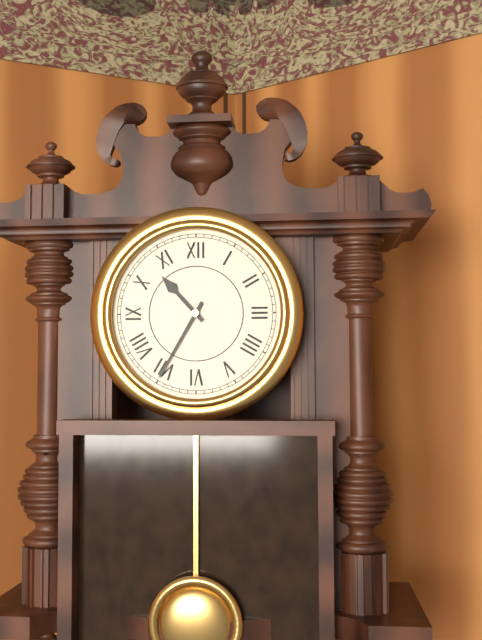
10:35
